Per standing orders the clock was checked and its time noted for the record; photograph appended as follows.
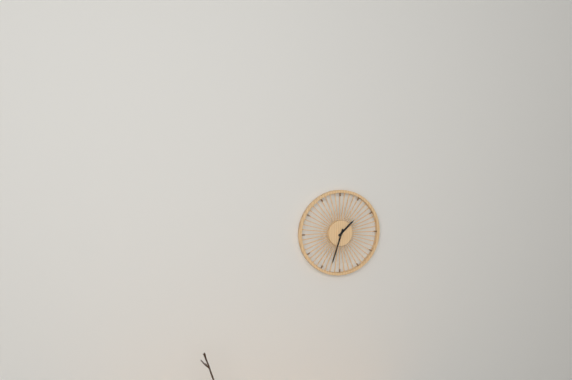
1:33
